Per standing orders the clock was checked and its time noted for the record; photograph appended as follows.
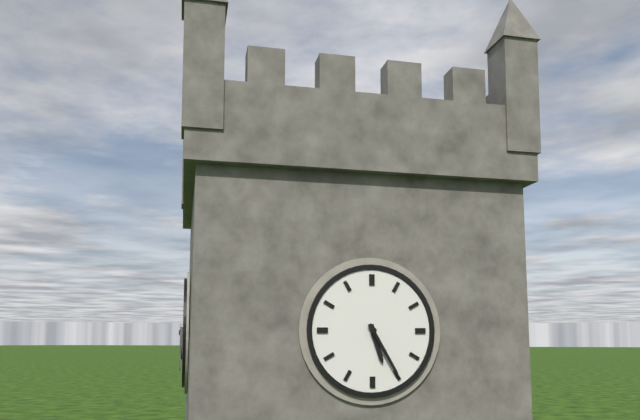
5:25
